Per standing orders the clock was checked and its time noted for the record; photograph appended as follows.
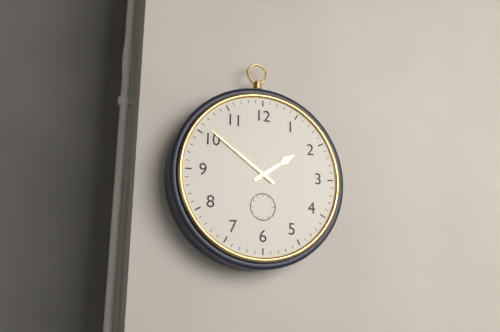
1:51
